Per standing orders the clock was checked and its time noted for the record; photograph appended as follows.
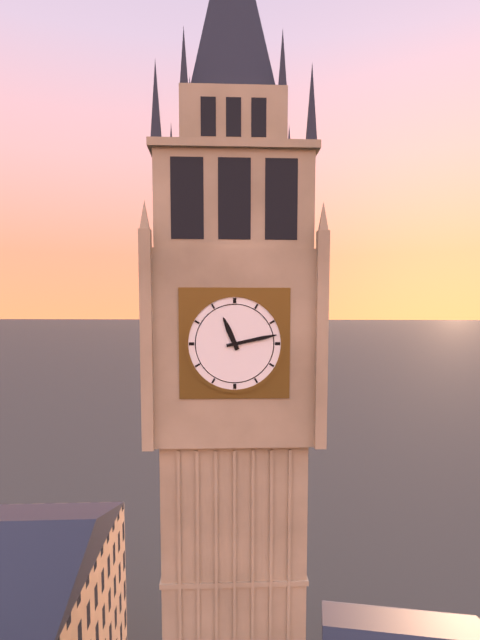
11:13
